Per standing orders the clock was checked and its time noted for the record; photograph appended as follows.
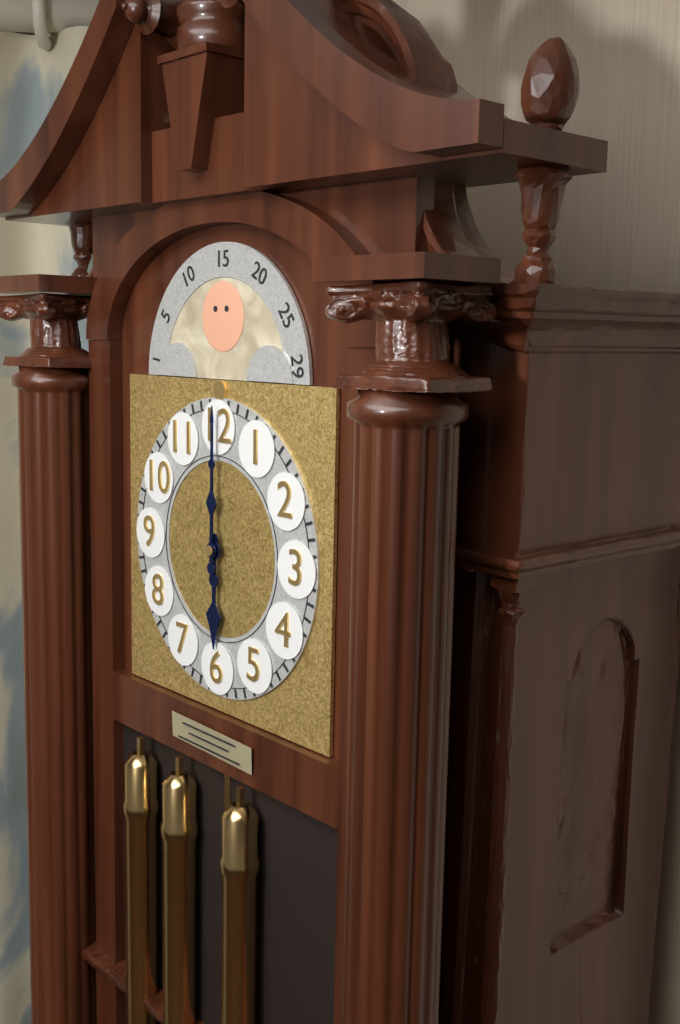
6:00
